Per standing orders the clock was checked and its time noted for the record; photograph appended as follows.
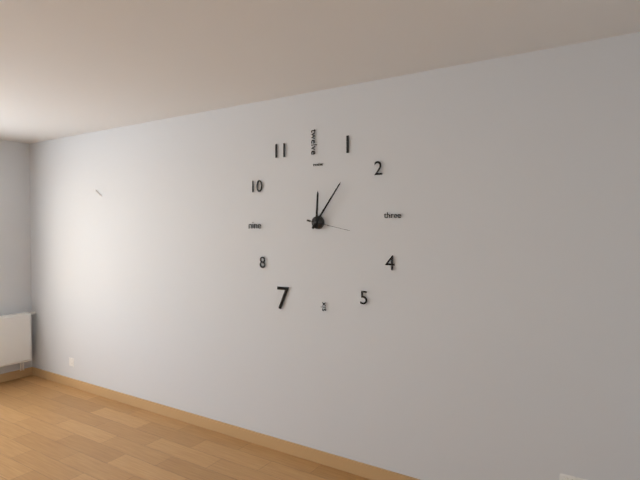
12:06
